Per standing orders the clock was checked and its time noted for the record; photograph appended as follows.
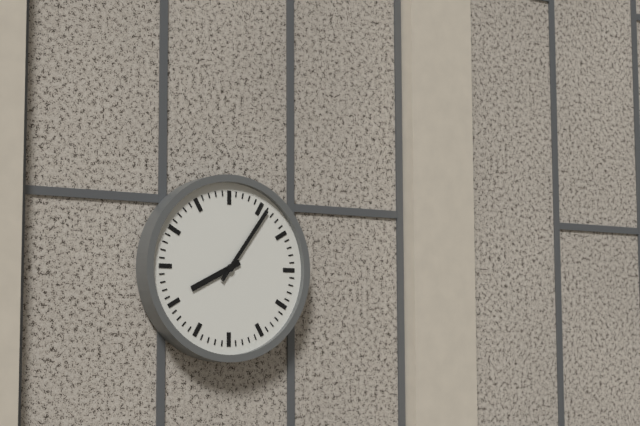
8:06
